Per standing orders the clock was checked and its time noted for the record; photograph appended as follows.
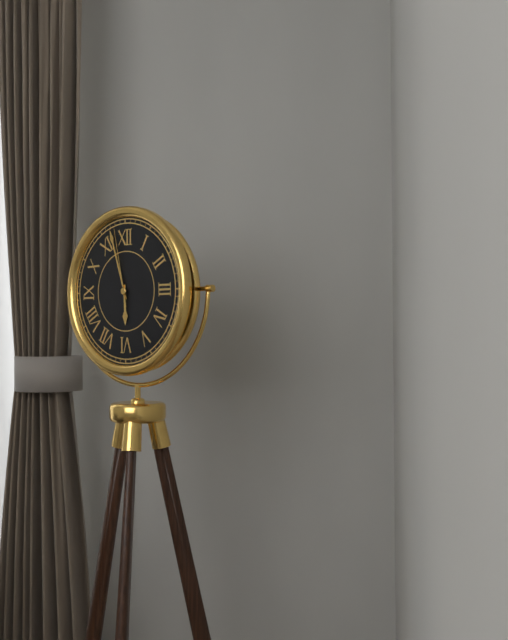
5:57:58
